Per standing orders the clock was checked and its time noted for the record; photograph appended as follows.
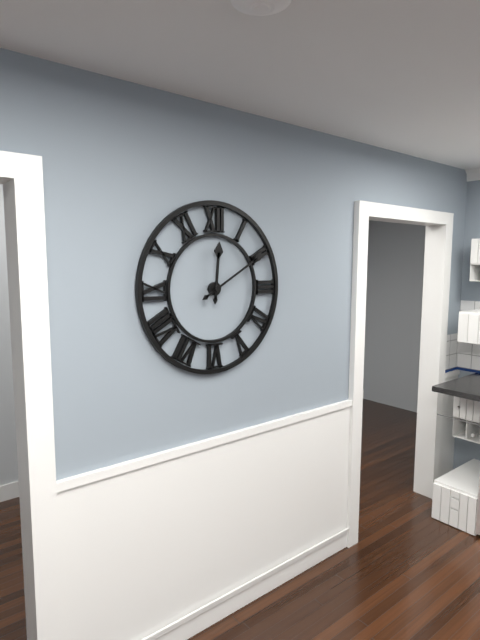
12:10
